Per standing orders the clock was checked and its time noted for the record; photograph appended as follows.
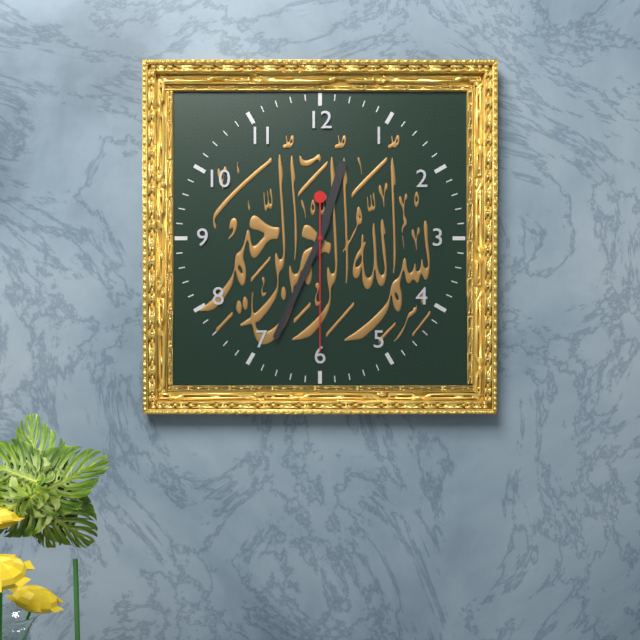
12:34:30
